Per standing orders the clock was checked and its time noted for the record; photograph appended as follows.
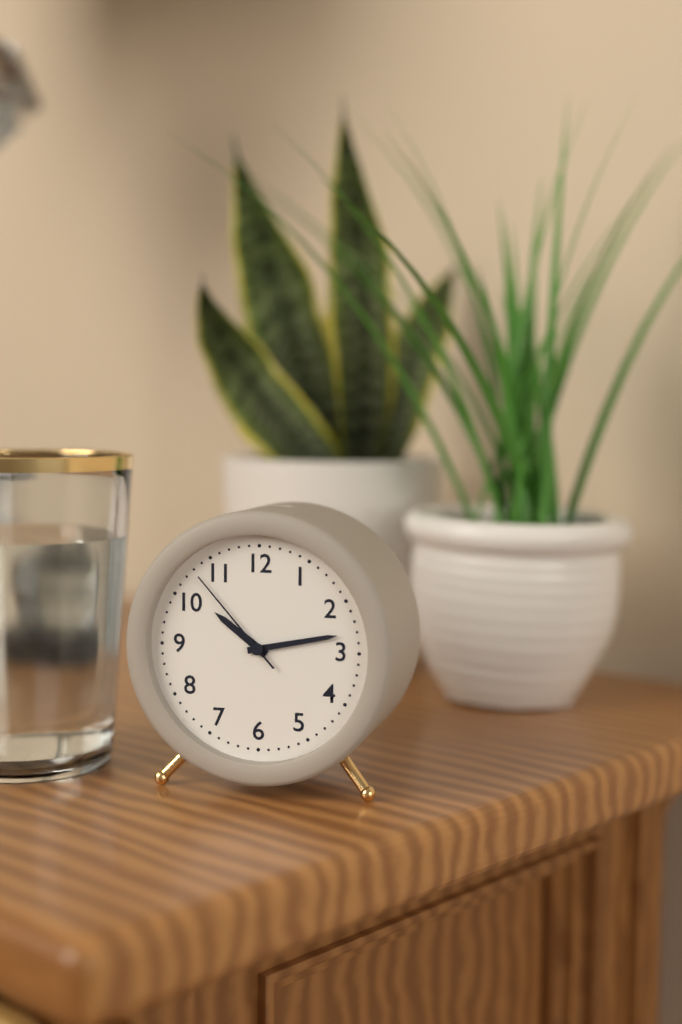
10:13:53
